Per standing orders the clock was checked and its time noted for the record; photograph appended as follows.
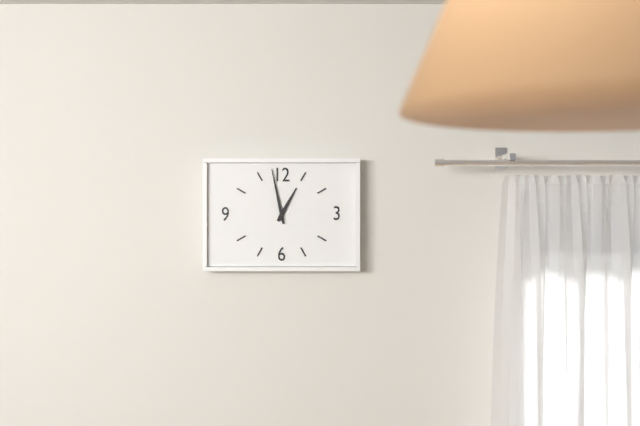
12:58
